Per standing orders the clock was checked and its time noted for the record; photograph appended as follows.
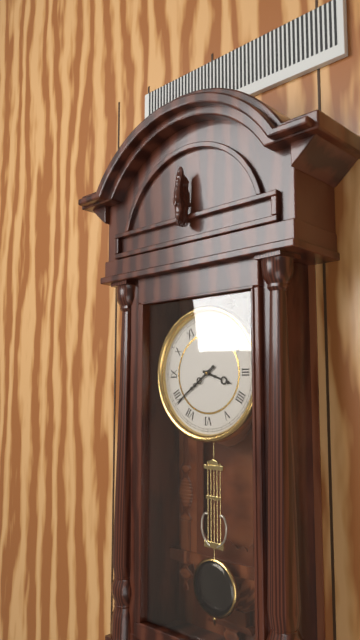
3:39
